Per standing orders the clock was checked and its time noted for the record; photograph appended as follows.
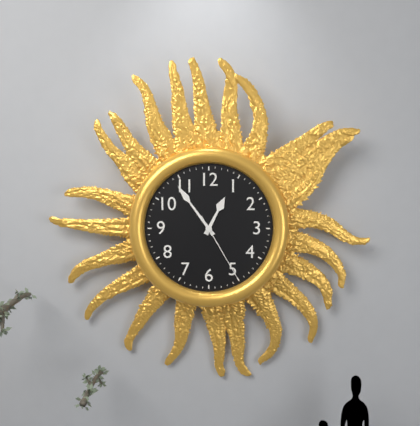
12:54:25
